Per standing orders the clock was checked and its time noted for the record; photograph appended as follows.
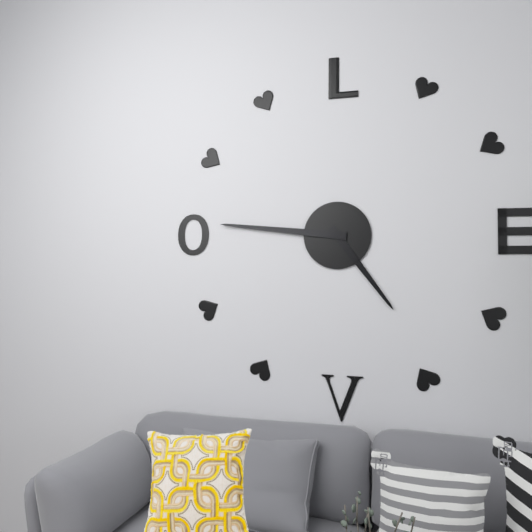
4:46
